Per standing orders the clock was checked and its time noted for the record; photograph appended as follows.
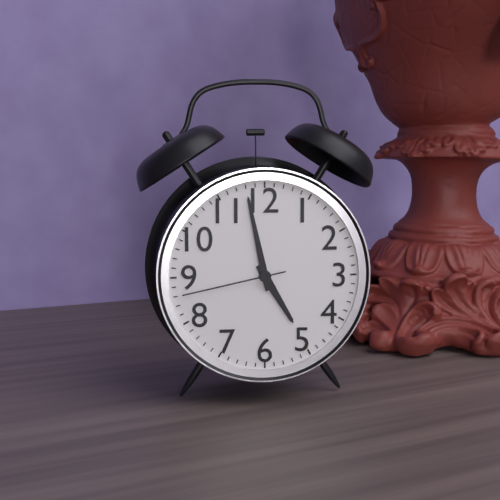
4:58:43
